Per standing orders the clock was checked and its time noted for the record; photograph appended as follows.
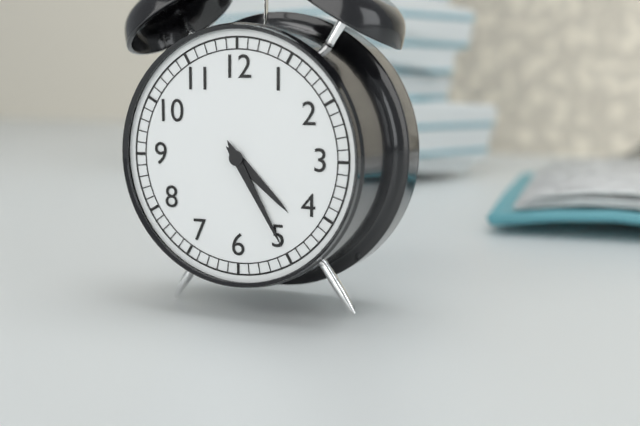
4:25
